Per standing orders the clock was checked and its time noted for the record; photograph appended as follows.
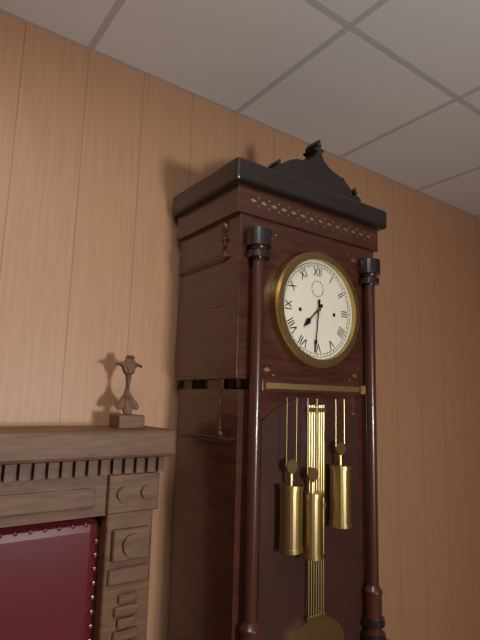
7:31
